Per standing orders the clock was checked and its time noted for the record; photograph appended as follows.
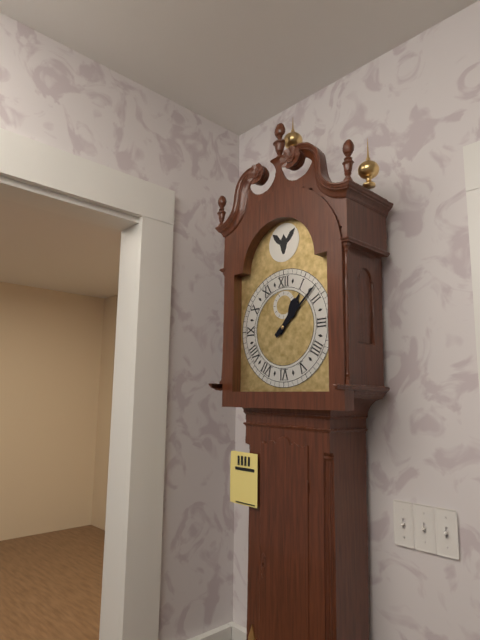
1:08
